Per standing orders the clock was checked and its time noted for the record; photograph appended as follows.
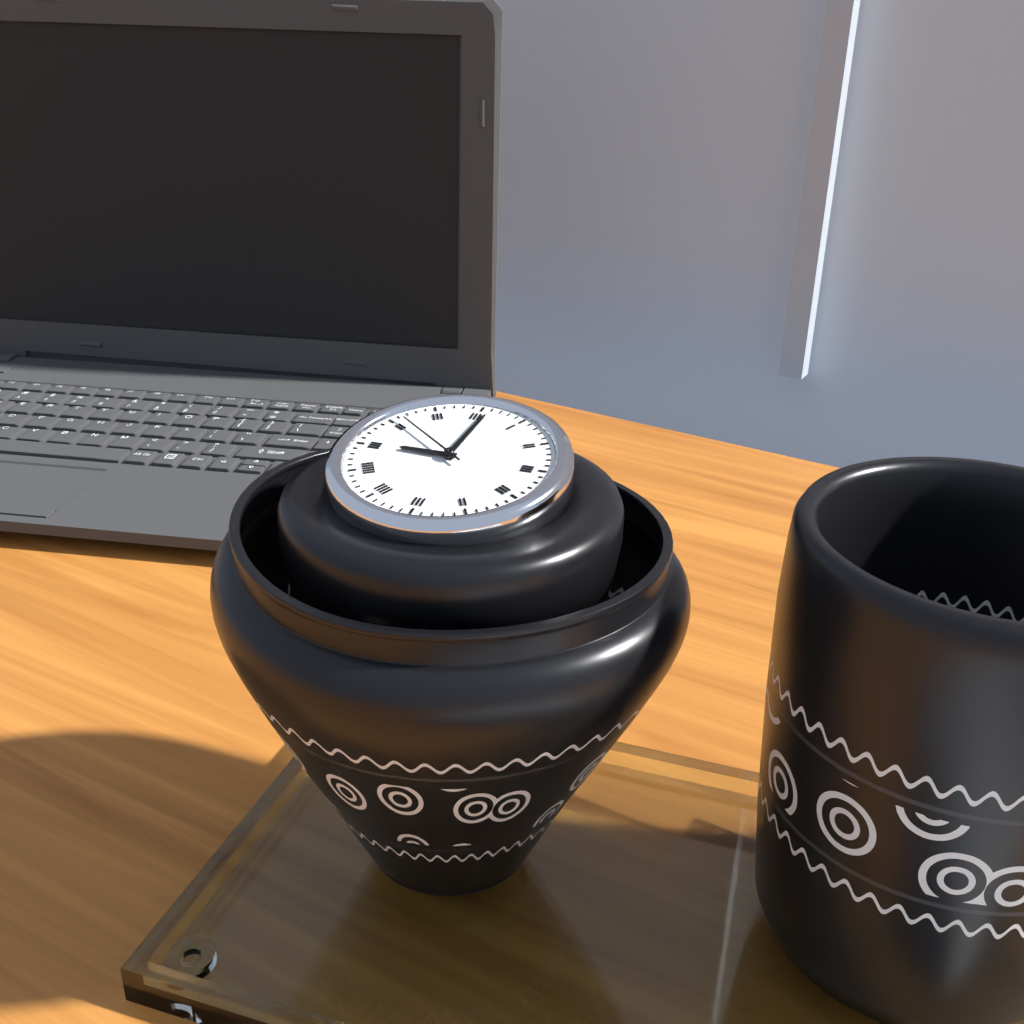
9:01:51
